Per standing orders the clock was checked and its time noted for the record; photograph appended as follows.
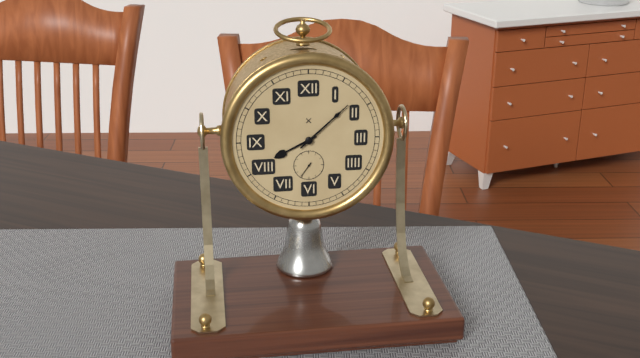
8:08
